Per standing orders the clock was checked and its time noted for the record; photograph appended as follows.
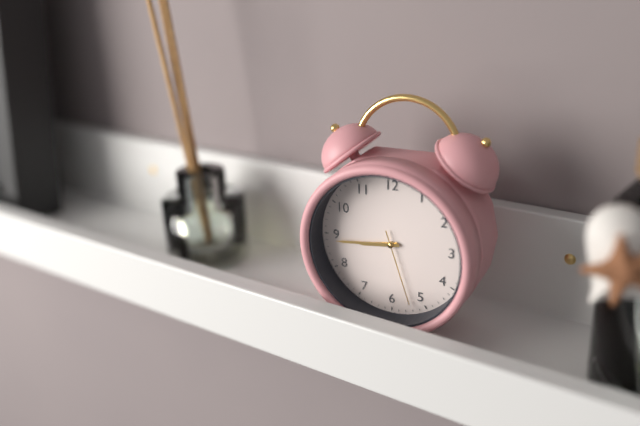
8:44:27
